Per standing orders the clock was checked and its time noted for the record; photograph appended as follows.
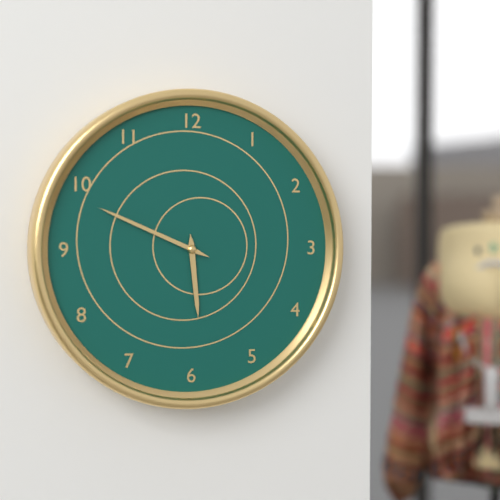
5:49
